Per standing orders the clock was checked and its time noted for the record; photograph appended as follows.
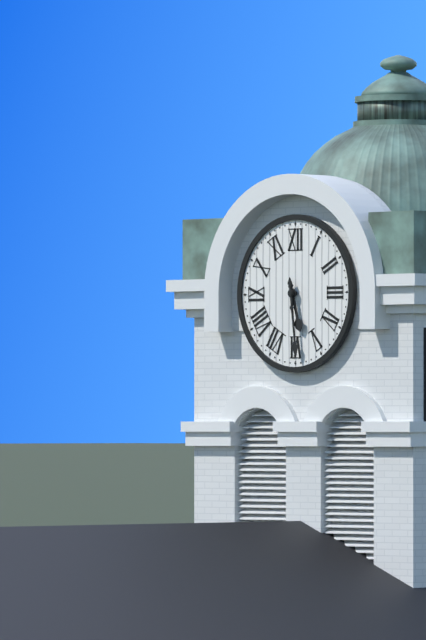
5:29
